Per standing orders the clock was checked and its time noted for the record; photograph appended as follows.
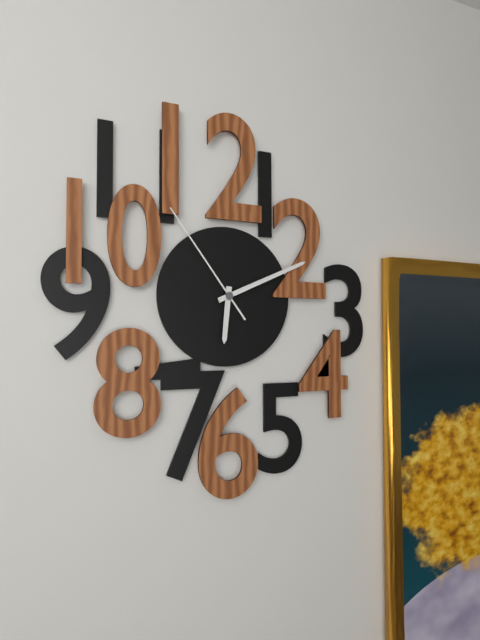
6:11:54
